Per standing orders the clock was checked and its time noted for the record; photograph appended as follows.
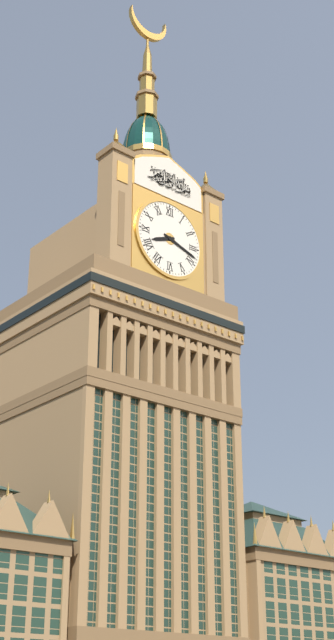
8:18
